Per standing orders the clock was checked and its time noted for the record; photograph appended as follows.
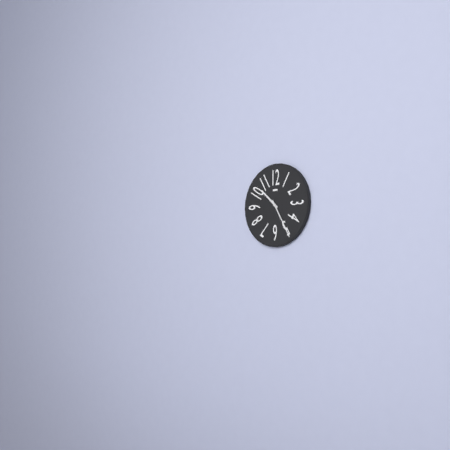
10:25
